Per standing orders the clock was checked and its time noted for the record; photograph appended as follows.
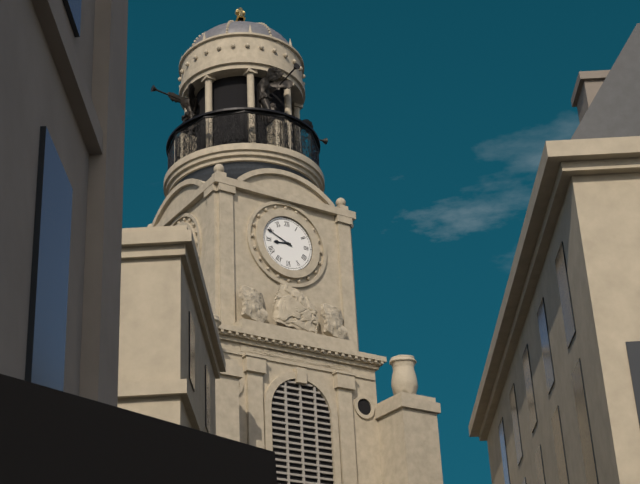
8:49
